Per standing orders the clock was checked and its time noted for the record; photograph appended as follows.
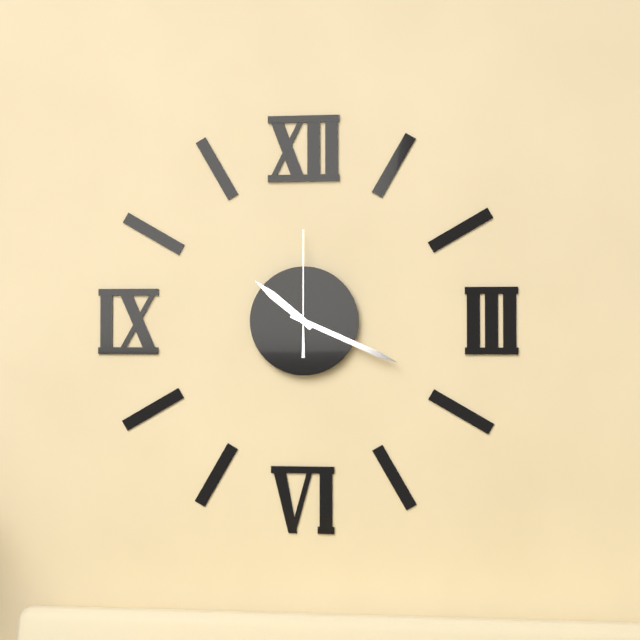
10:19:00
